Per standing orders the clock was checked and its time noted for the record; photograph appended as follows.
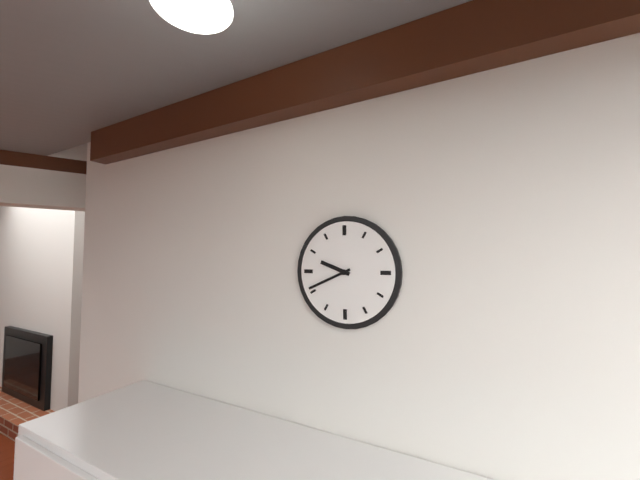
9:41
